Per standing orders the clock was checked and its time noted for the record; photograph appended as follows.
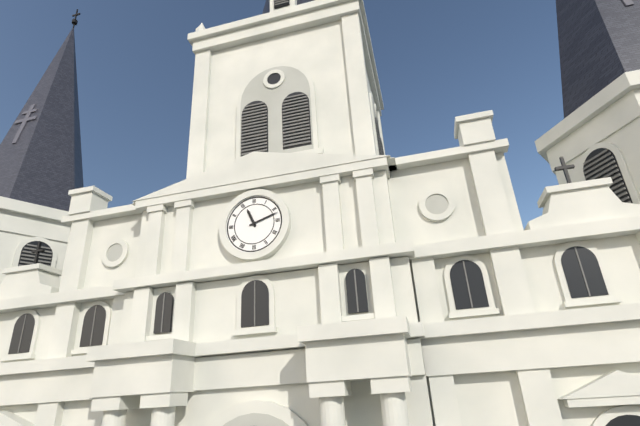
11:12
